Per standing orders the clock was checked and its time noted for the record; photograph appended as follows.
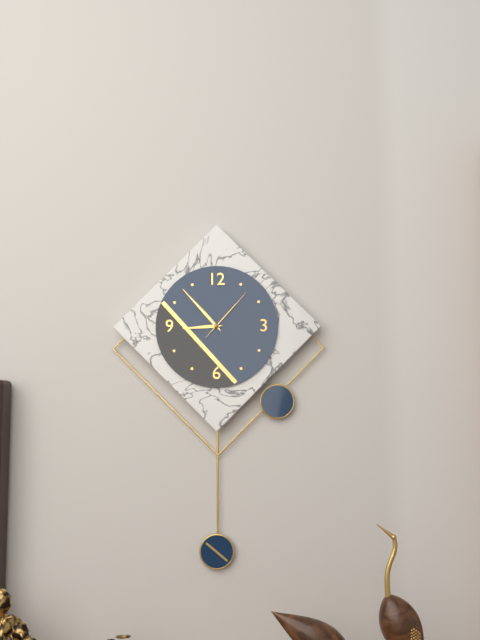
8:53:07
